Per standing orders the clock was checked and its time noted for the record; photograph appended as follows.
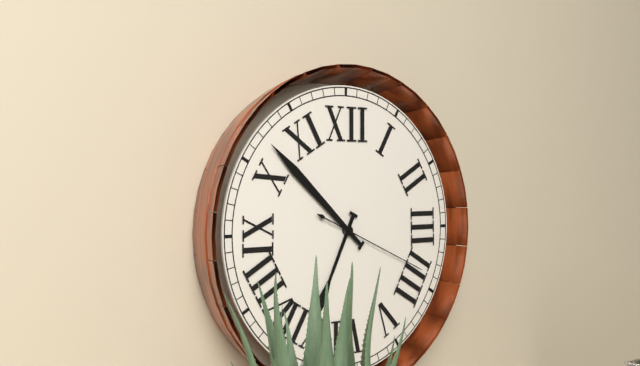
6:52:19
